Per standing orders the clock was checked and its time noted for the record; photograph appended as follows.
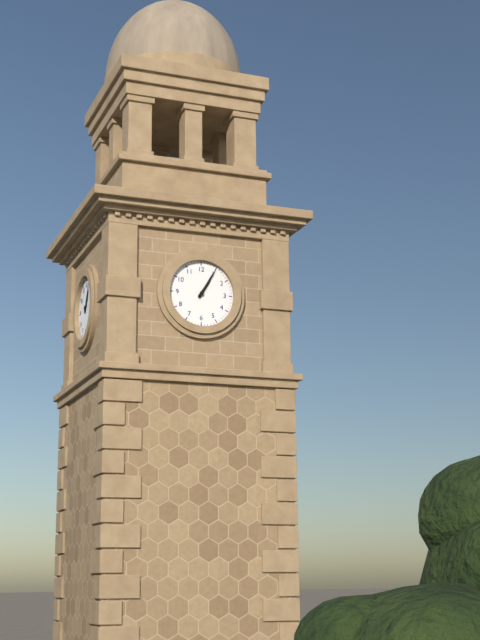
1:05
